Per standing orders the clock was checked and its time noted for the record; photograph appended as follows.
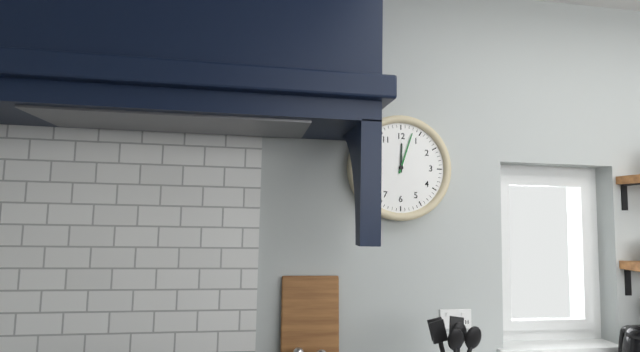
12:03
